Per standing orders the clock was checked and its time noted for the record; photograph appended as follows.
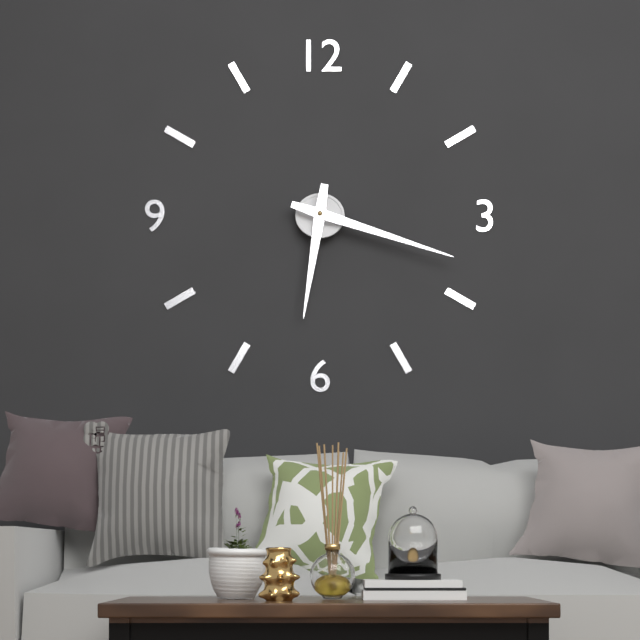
6:18
